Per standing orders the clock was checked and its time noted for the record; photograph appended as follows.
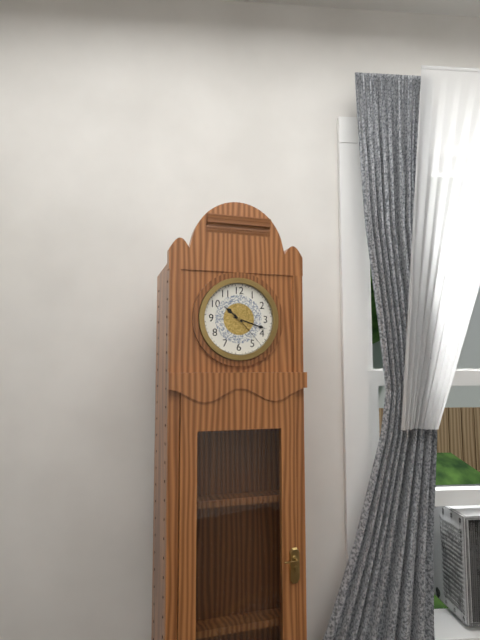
10:18
